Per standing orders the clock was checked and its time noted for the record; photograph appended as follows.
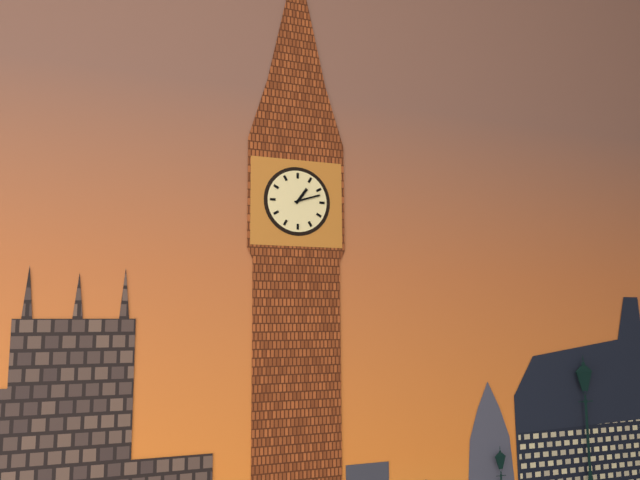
1:12
